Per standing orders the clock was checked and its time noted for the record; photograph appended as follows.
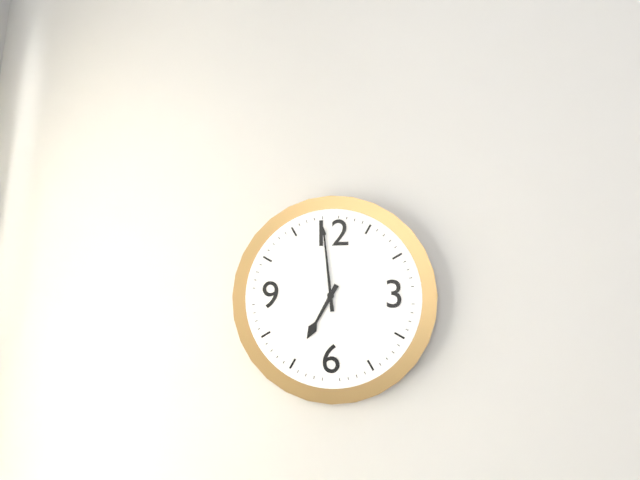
6:59
